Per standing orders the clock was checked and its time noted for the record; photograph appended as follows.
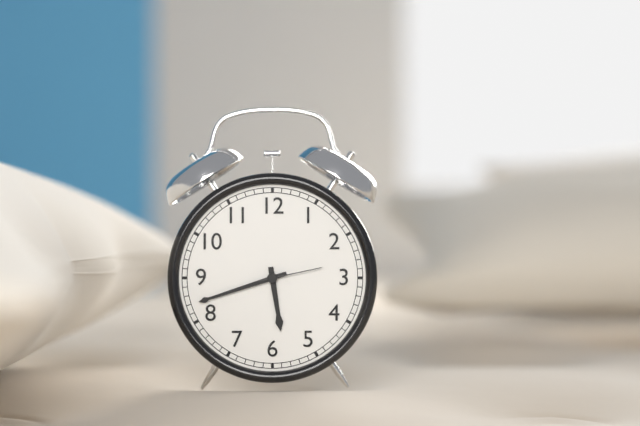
5:42:13
